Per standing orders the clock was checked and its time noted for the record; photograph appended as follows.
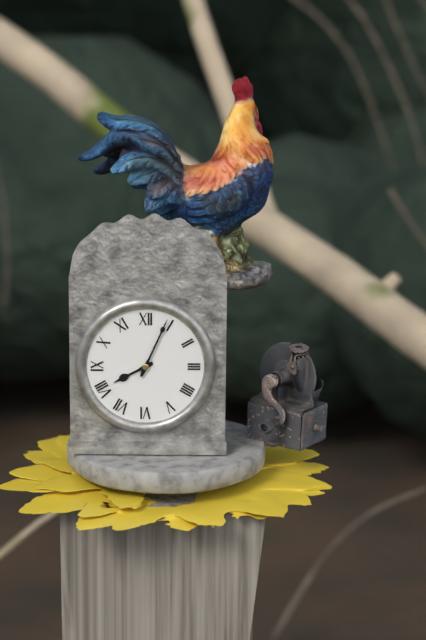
8:04
